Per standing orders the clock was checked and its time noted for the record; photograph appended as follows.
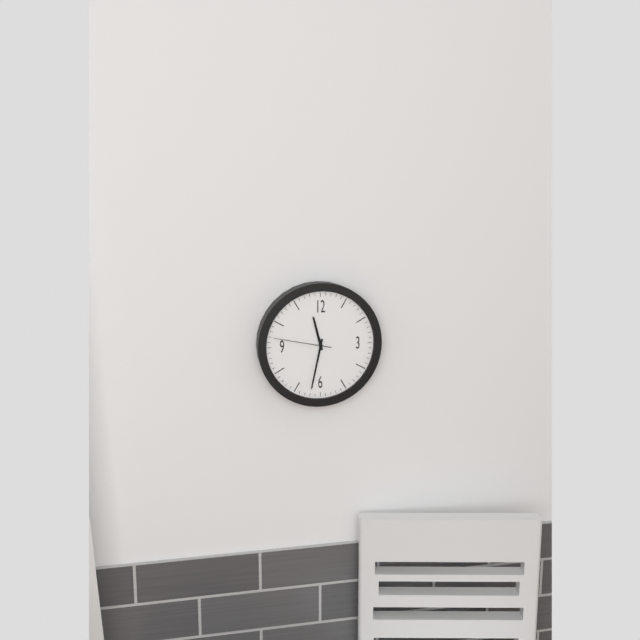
11:32:47
